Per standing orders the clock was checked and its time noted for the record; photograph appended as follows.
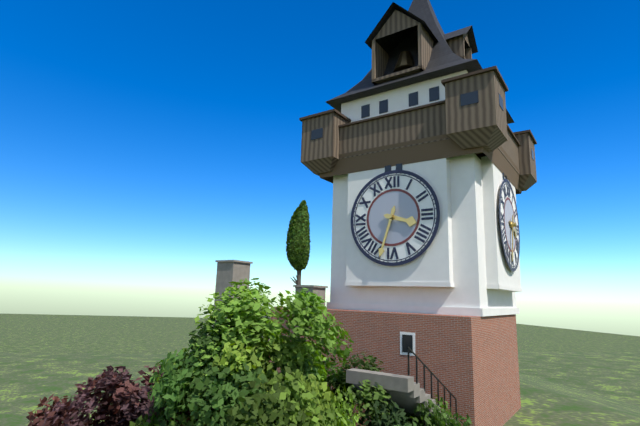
3:33
